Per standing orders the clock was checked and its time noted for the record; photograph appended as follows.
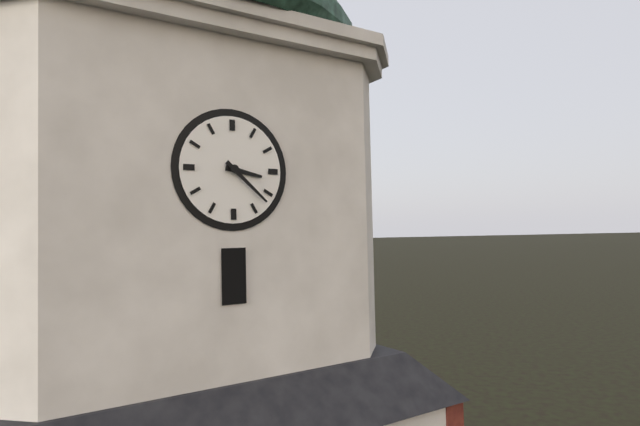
3:22
